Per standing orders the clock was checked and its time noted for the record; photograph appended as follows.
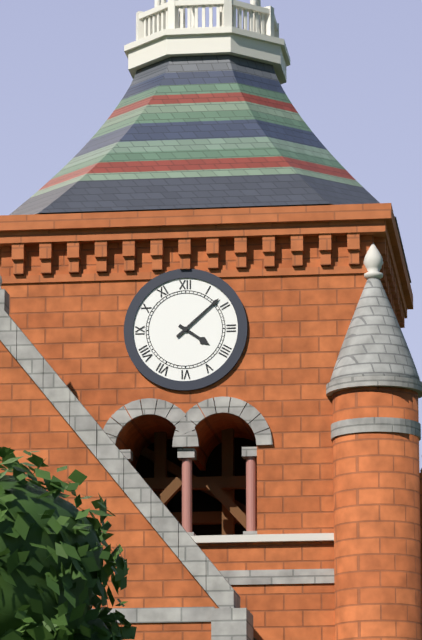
4:08
